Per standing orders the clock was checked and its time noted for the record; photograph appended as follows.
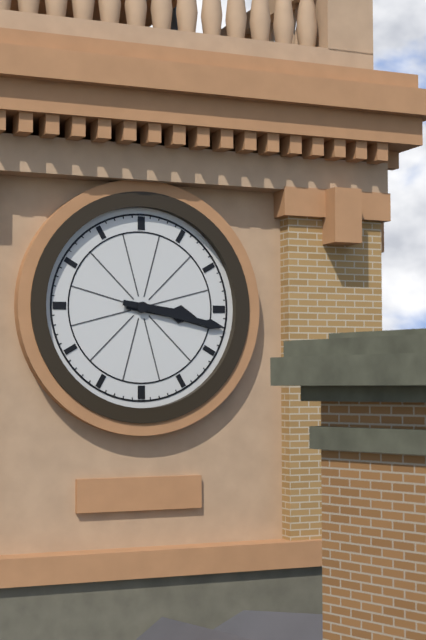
3:17
